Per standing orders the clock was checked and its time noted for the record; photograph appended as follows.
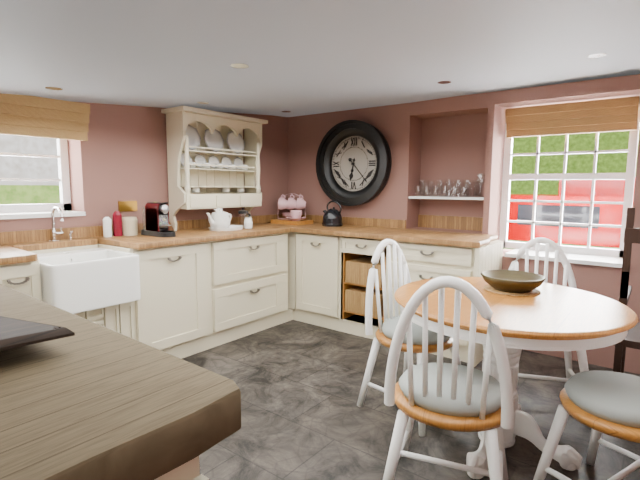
6:23
